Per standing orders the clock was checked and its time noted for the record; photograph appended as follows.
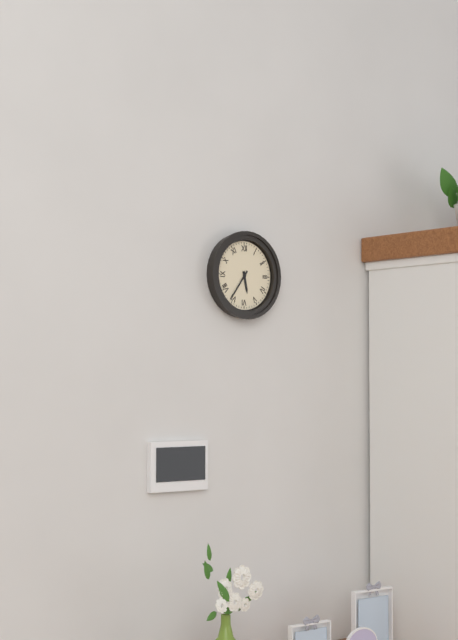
5:36
